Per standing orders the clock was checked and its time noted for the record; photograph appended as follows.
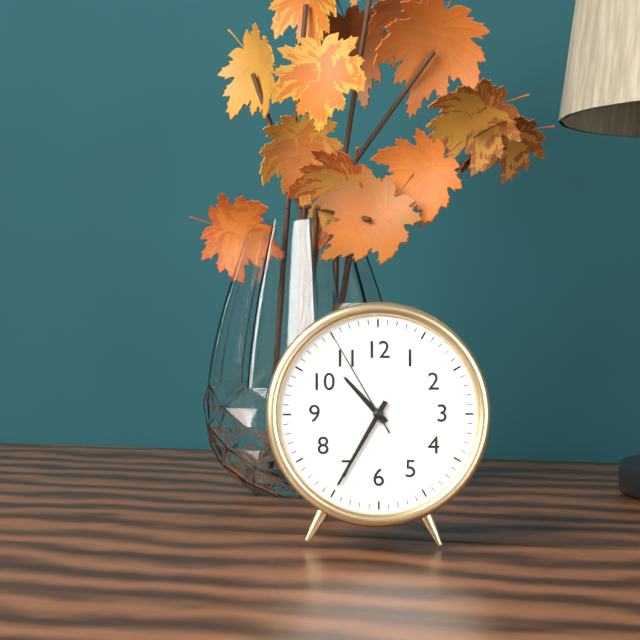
10:35:55
